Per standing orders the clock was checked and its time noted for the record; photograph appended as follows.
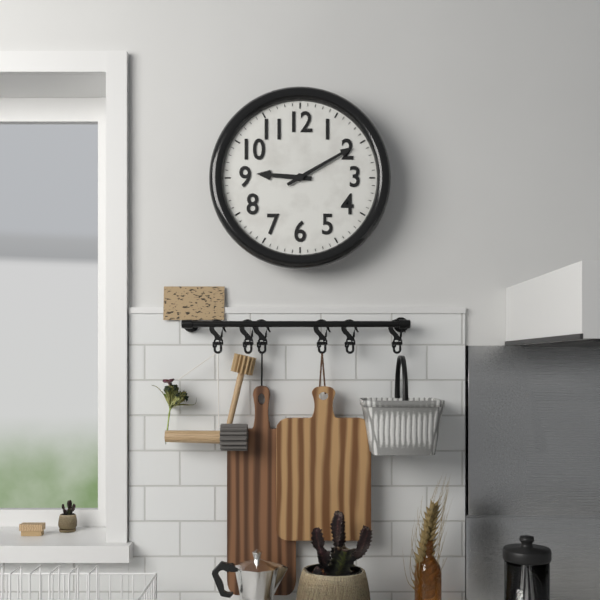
9:10
